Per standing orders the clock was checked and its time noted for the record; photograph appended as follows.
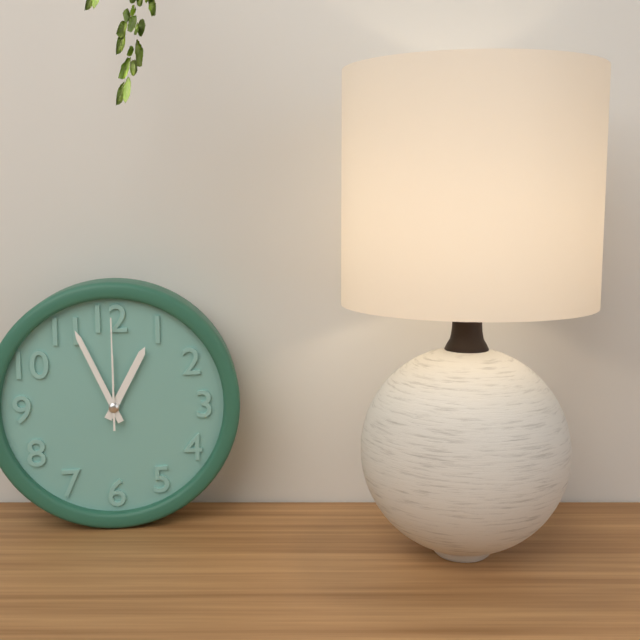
12:56:00
